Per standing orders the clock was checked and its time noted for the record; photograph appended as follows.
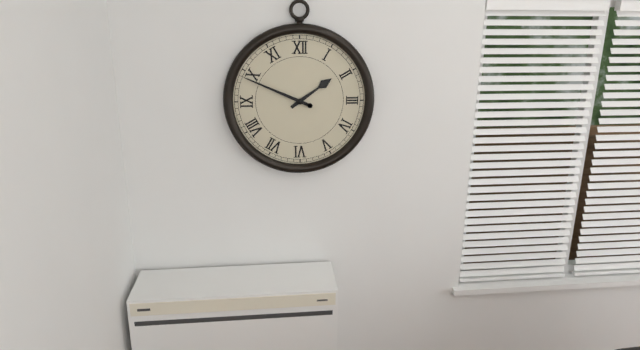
1:49
